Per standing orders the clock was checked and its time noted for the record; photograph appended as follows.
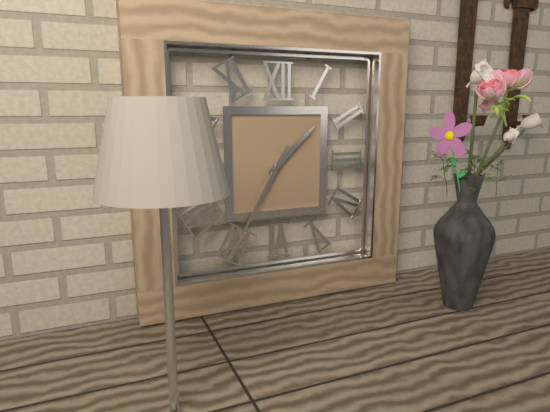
1:35
